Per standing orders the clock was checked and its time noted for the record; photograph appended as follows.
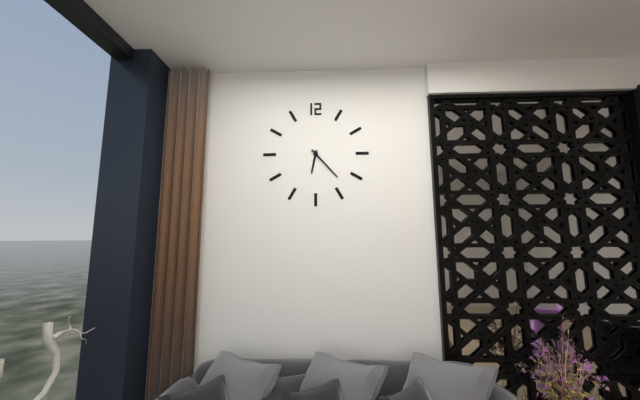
6:23
